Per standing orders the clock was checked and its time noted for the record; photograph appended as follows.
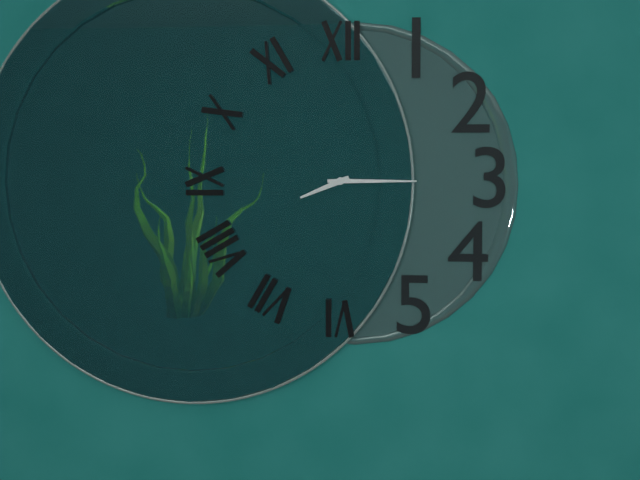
8:15
